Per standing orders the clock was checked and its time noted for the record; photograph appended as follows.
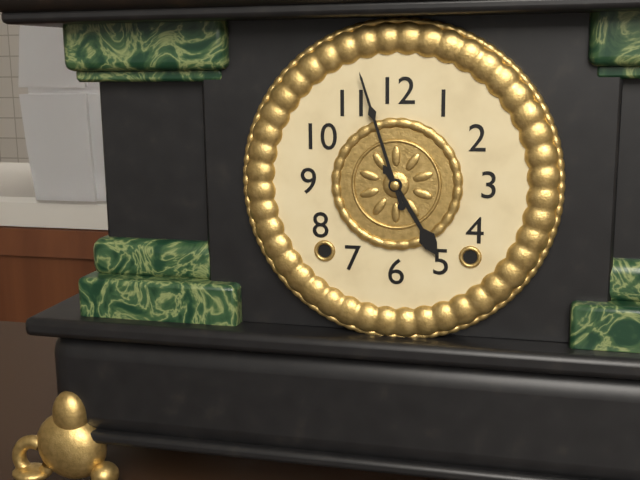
4:57
